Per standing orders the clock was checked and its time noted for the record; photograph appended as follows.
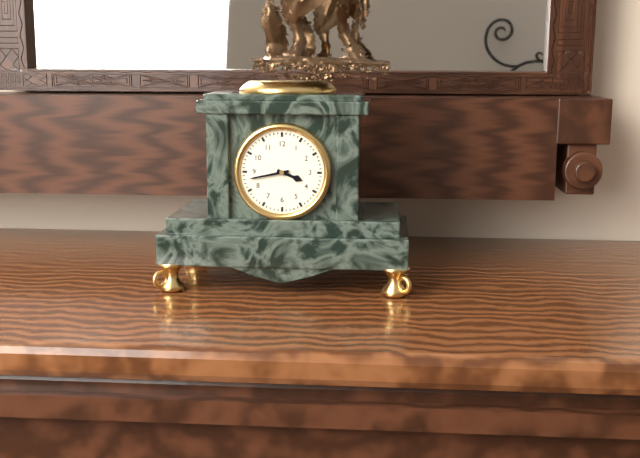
3:43
